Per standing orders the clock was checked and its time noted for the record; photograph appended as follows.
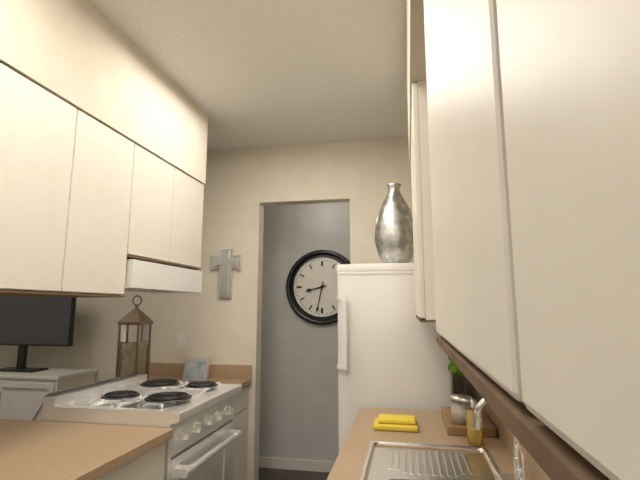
8:32
